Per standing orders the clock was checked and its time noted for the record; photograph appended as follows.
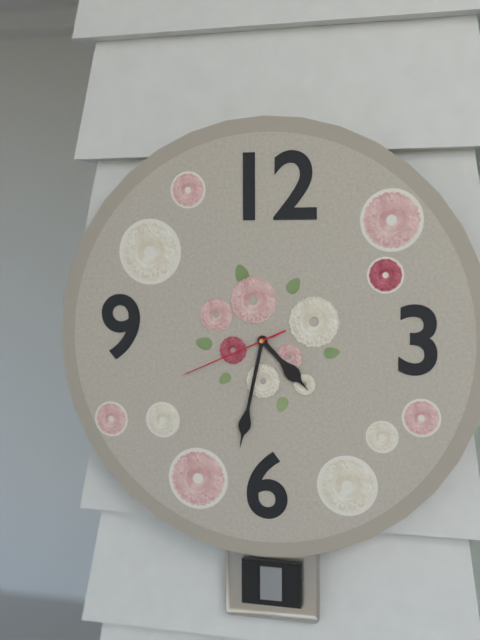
4:32:41
